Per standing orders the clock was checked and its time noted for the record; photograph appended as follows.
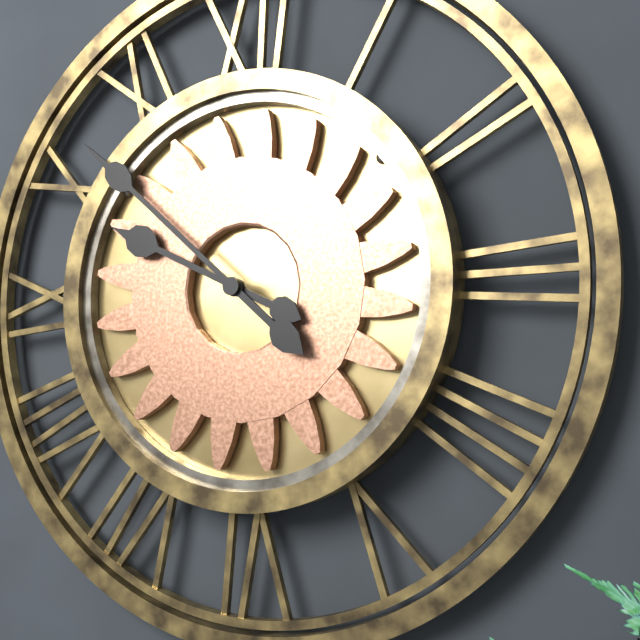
9:52
